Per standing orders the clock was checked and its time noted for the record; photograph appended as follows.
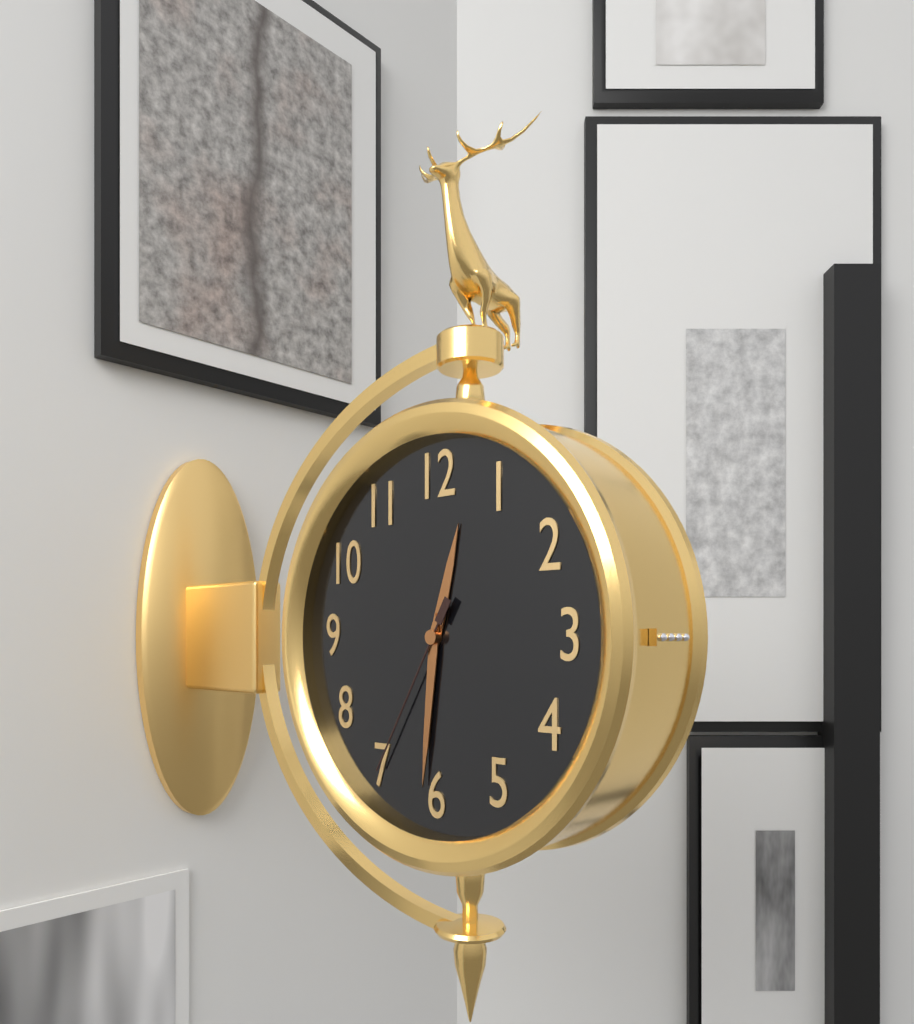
12:31:35
